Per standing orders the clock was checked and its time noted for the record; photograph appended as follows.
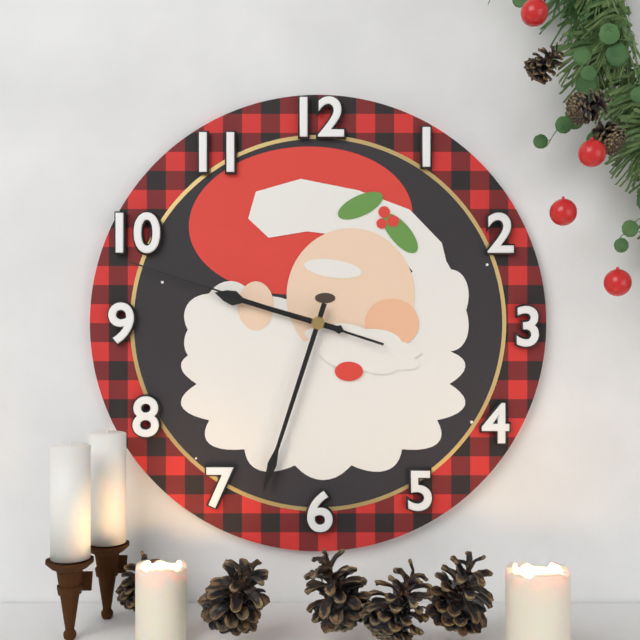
9:33:48
